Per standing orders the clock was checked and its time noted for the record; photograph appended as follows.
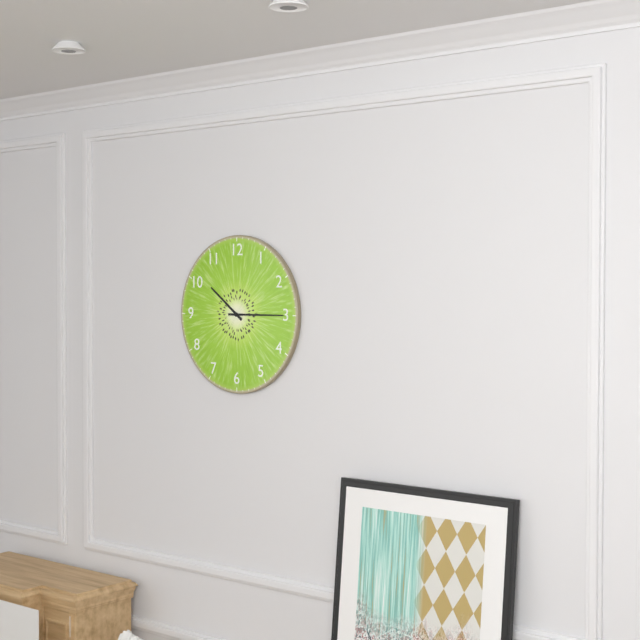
10:15
